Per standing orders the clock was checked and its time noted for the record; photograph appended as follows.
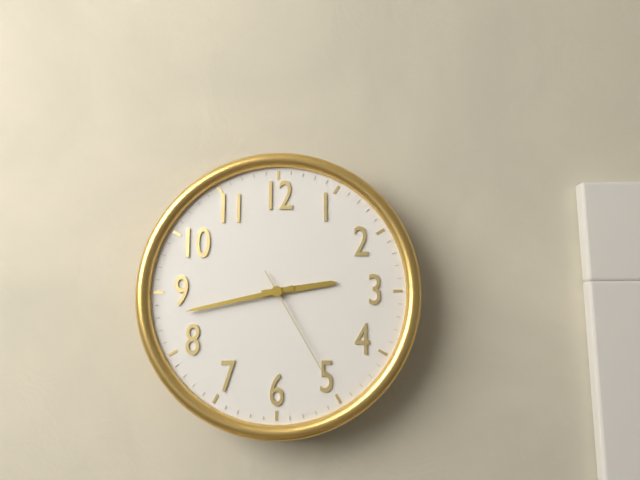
2:43:25
